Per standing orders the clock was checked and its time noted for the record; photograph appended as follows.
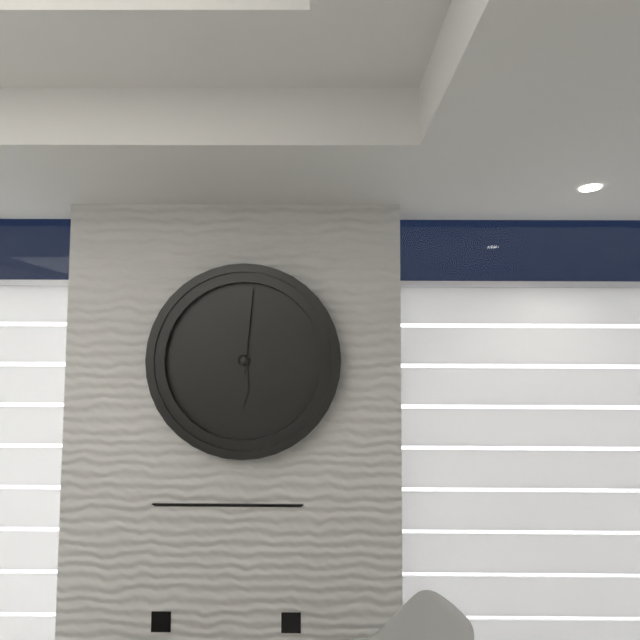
6:01
